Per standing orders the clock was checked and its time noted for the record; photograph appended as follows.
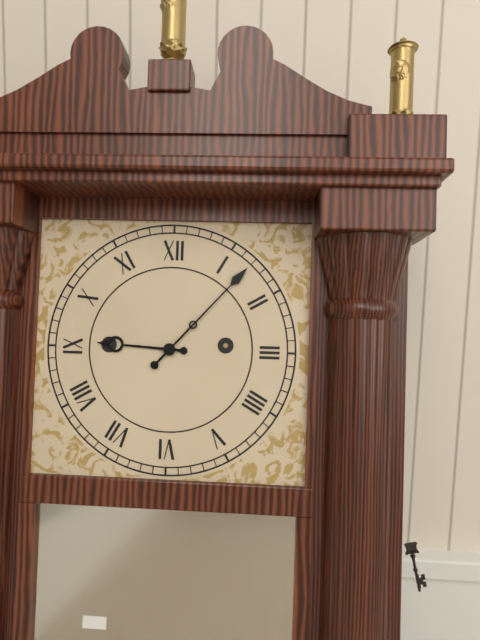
9:07
